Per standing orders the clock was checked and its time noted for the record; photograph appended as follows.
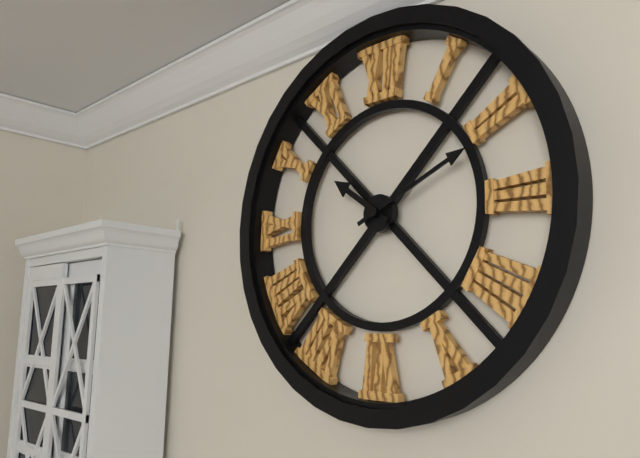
10:11
